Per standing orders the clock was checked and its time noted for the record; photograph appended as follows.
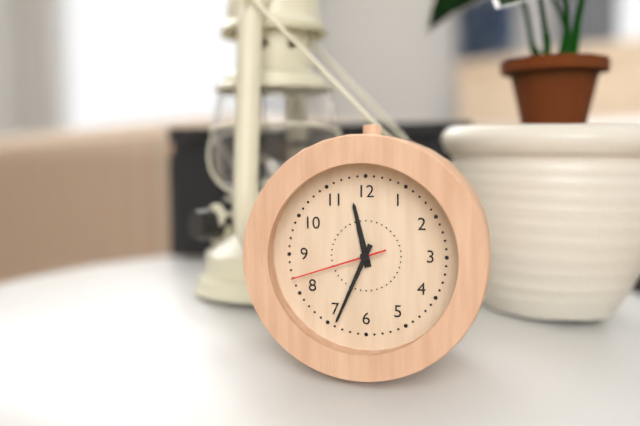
11:34:42
